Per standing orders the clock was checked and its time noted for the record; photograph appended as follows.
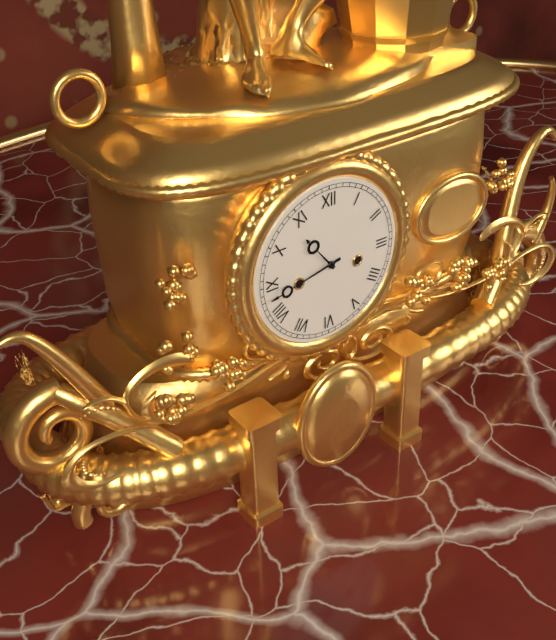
10:43
